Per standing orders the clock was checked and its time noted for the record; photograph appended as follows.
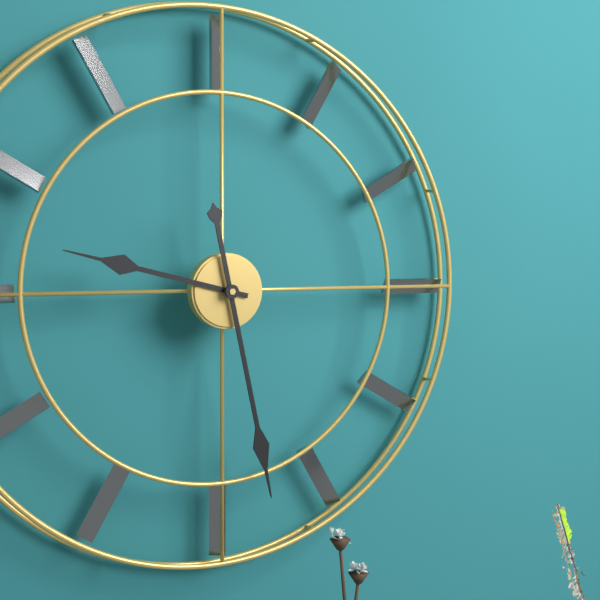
9:28
